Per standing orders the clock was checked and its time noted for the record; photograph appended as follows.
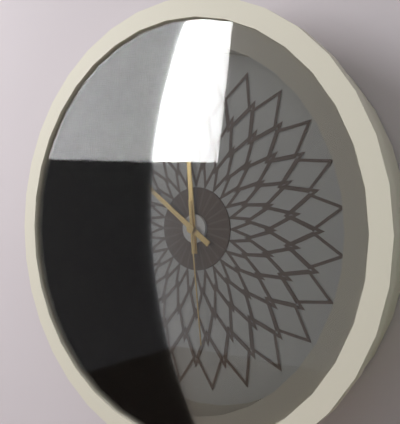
11:51:29
